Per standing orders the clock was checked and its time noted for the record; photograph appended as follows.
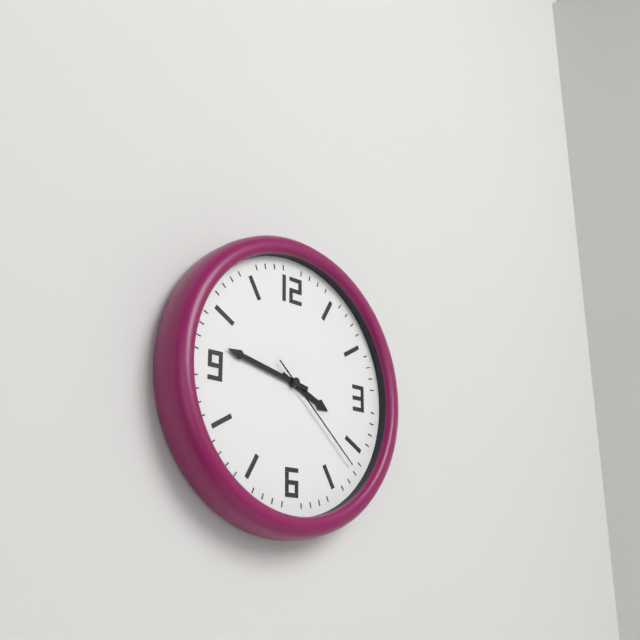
3:47:22
